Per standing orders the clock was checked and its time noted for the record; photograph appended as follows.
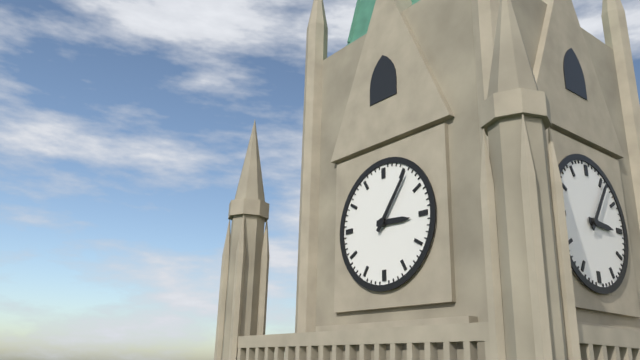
3:06
